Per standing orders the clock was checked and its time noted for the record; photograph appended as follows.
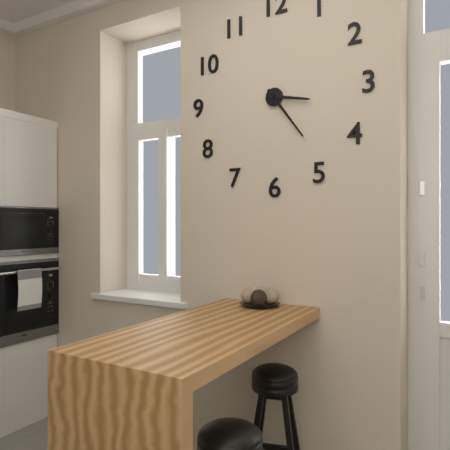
3:24
